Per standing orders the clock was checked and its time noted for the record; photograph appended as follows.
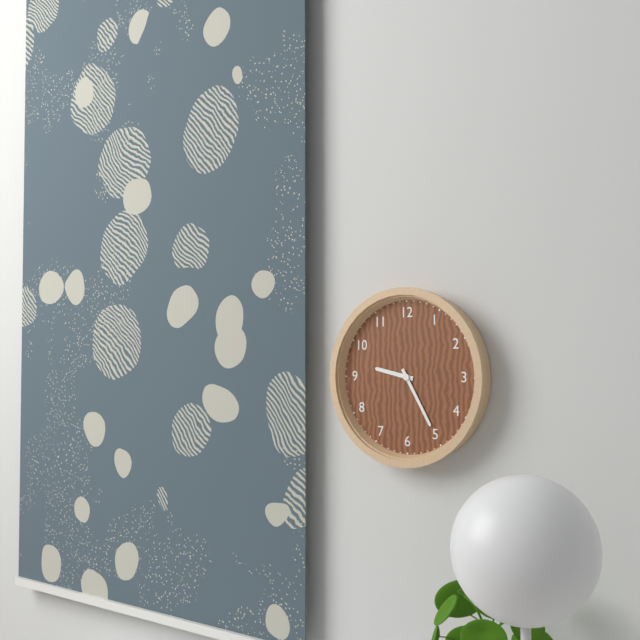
9:25
